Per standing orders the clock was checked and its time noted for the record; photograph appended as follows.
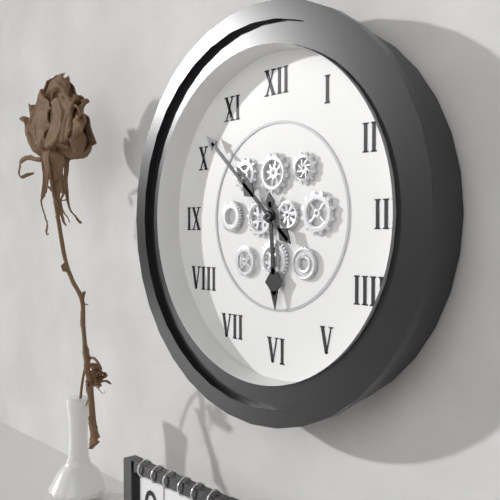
5:52
